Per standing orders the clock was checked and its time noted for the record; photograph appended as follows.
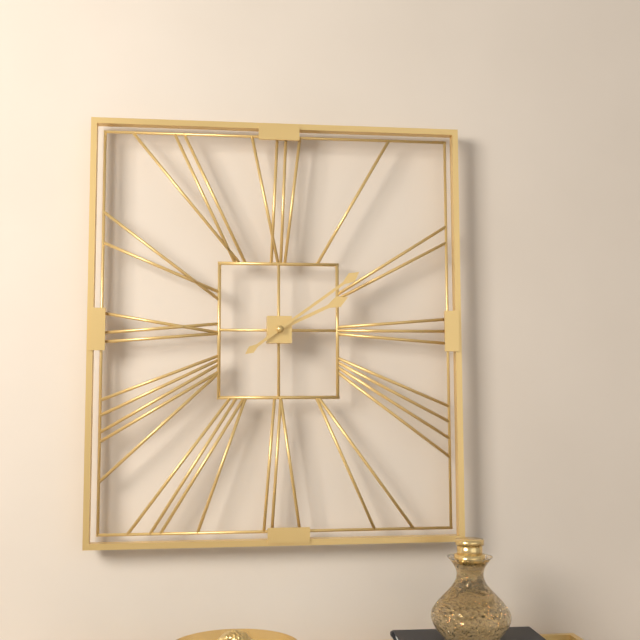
2:09
